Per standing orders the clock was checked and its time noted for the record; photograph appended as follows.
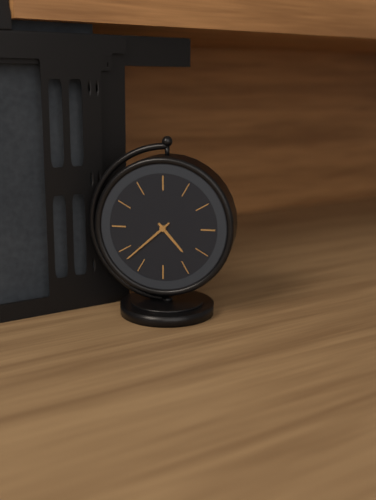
4:38
